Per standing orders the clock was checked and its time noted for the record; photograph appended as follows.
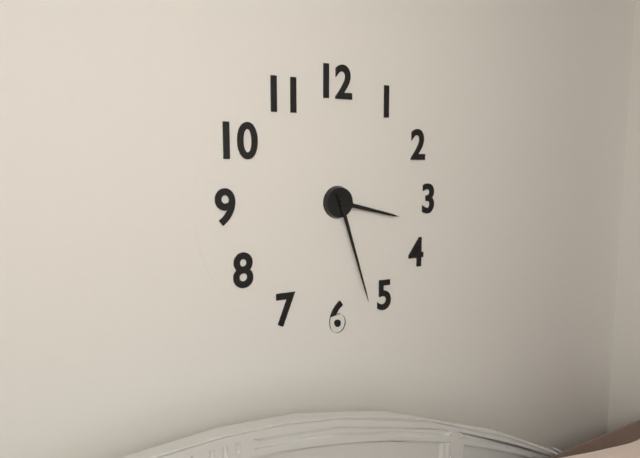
3:27
